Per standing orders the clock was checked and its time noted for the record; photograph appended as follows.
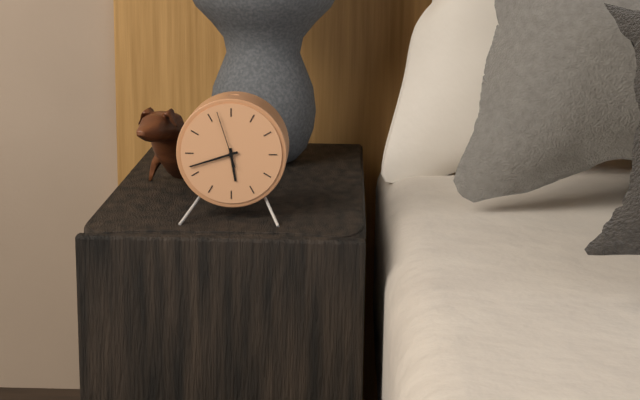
5:42:57
